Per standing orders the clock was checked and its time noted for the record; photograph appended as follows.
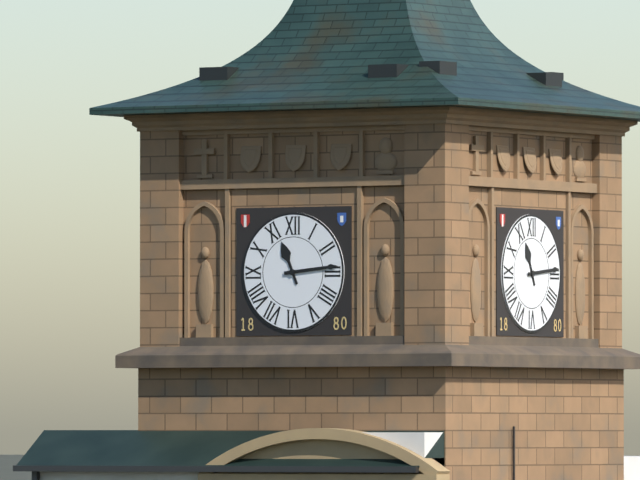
11:14
